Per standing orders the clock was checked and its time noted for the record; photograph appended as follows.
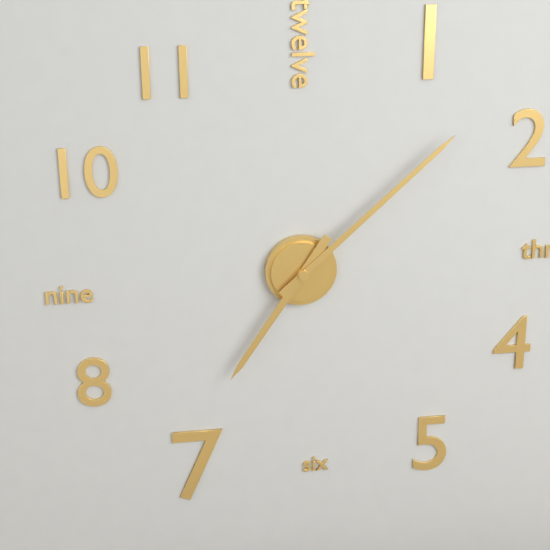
7:08
